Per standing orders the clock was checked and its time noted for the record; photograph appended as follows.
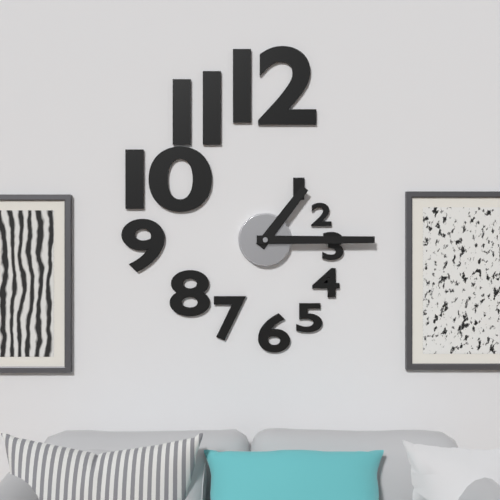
1:15
